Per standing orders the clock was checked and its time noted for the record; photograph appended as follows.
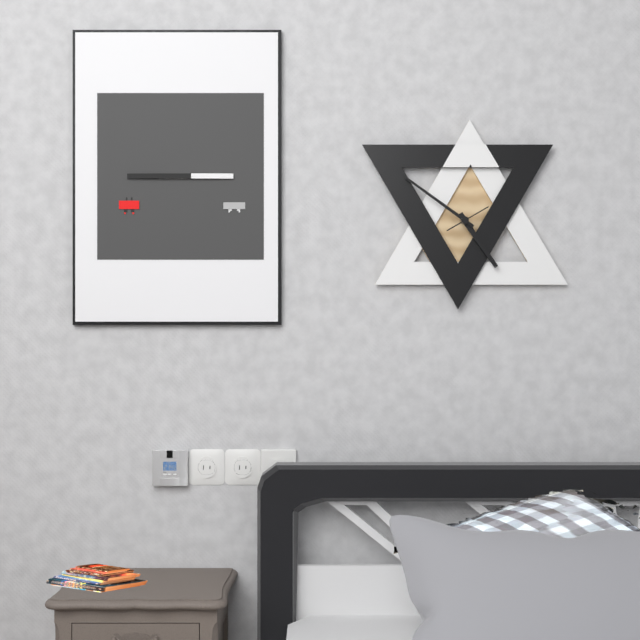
4:51
